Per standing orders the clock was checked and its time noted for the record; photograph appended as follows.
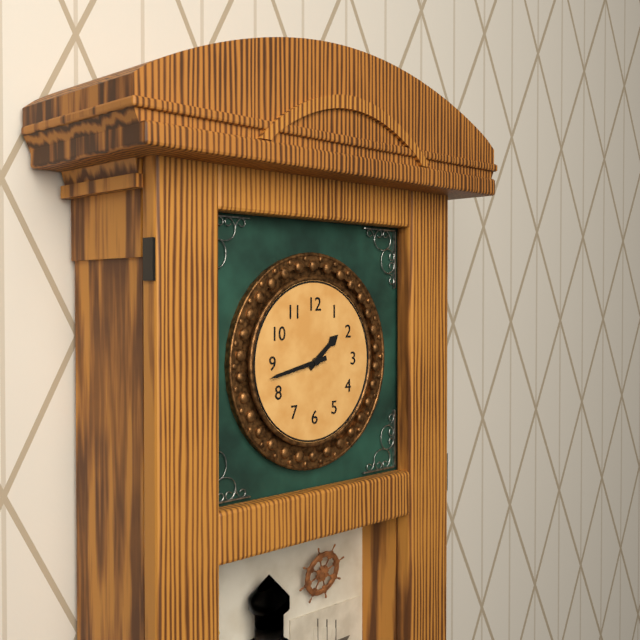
1:43
